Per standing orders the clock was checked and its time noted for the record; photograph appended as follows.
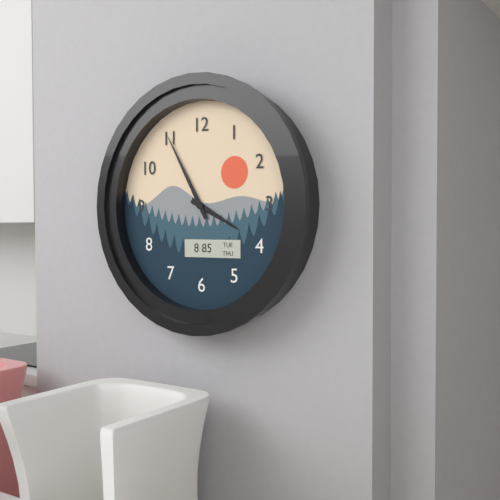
3:55
